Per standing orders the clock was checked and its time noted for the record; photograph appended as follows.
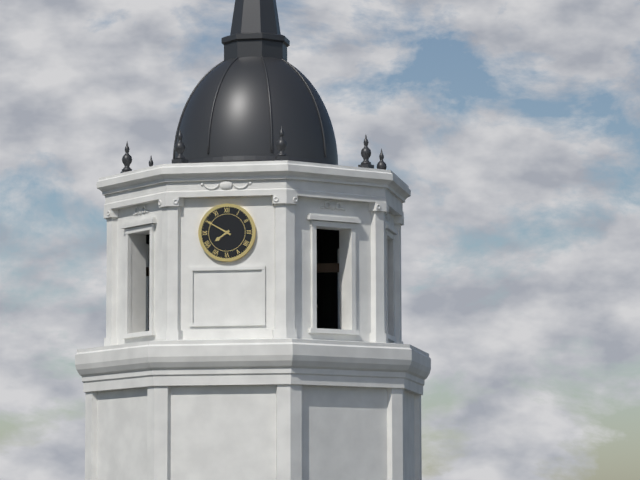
7:50
